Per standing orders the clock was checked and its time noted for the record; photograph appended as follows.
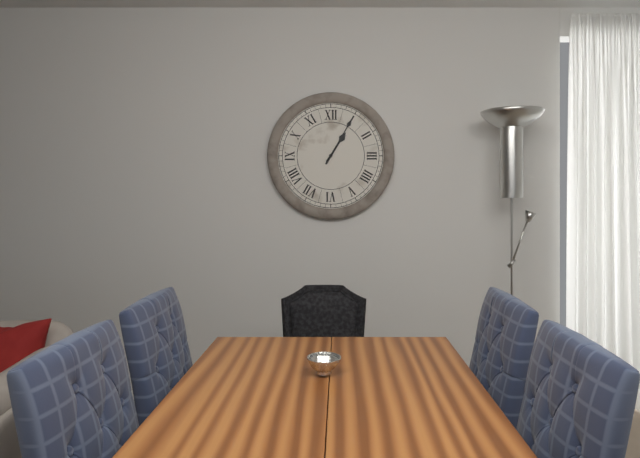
1:05
